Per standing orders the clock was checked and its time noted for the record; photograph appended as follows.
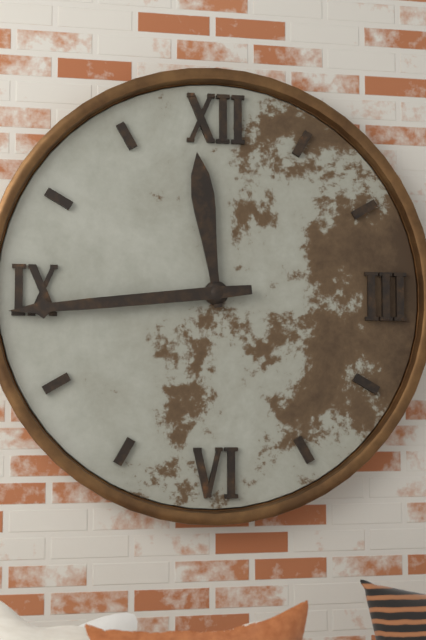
11:44
